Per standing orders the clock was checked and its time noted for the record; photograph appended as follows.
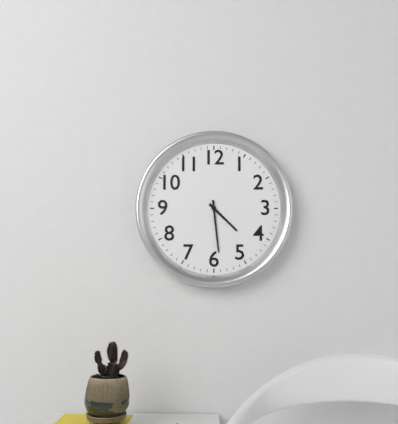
4:29
